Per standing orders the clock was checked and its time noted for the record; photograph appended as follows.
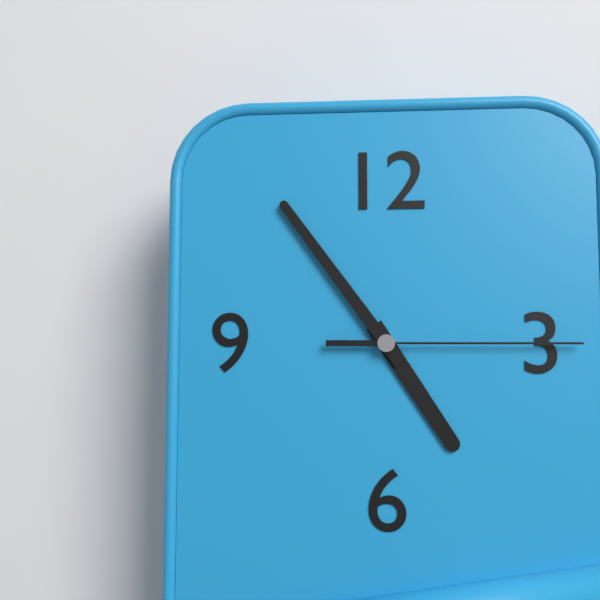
4:54:15
